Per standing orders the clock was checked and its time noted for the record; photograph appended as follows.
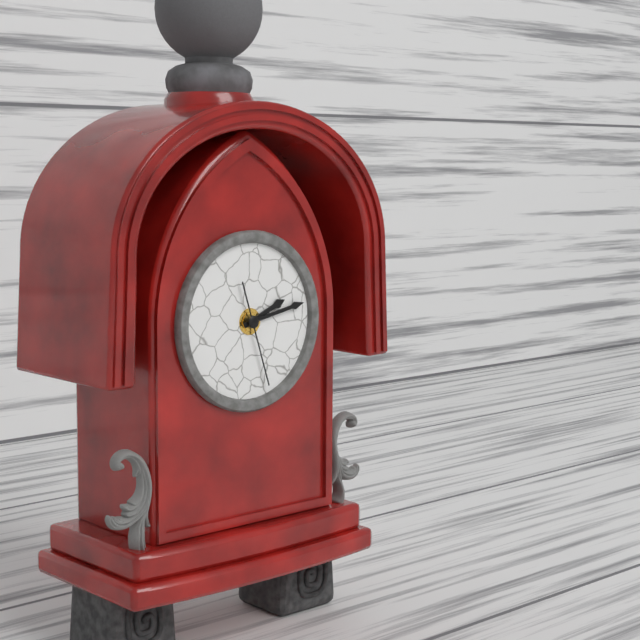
2:13:27
